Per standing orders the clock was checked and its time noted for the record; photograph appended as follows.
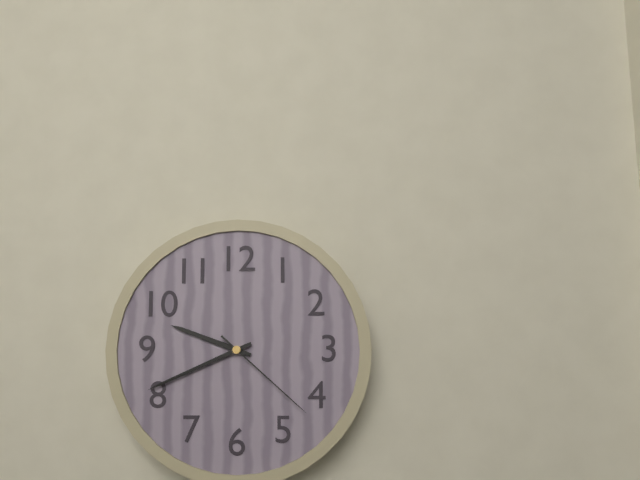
9:41:22
